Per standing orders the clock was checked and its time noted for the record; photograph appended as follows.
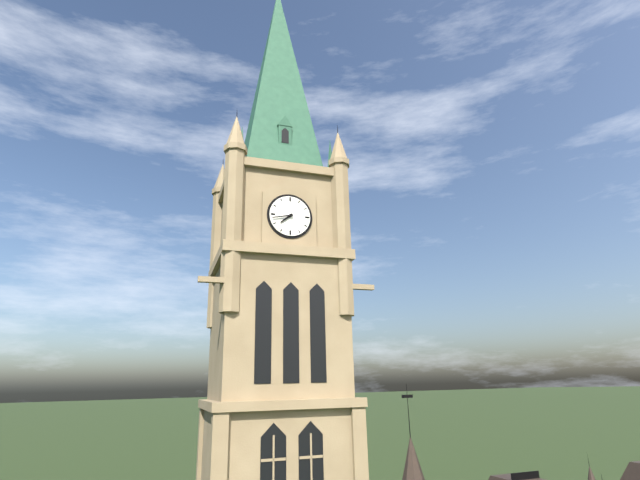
7:43
